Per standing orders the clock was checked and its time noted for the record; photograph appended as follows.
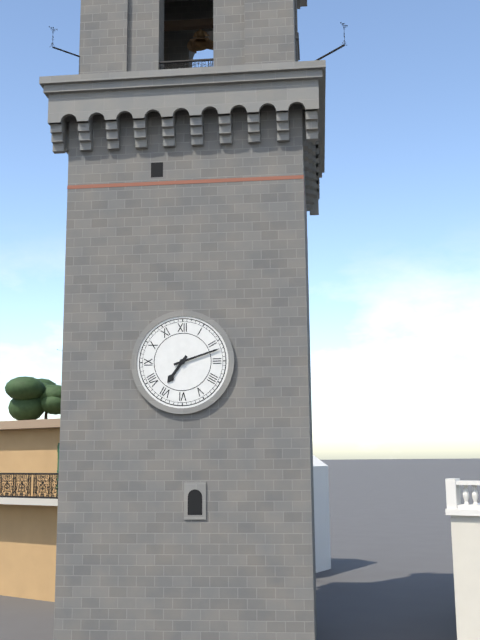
7:12
